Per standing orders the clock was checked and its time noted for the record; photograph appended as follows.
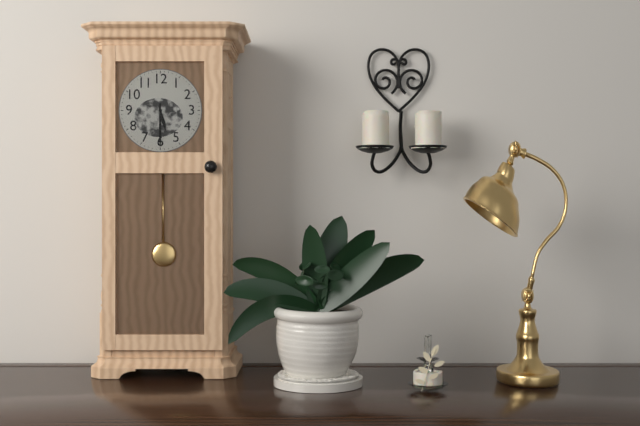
5:30
